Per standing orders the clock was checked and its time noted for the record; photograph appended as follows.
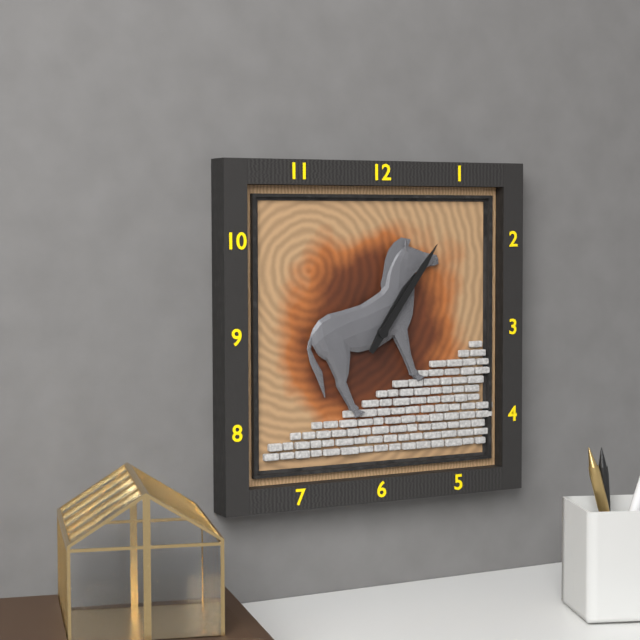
1:06
